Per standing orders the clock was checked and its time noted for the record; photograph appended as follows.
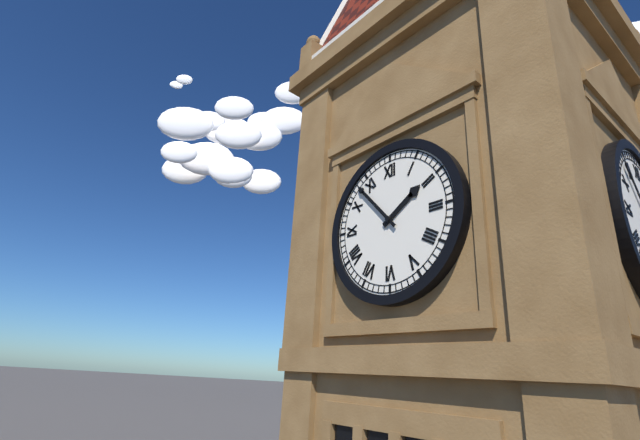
1:53
